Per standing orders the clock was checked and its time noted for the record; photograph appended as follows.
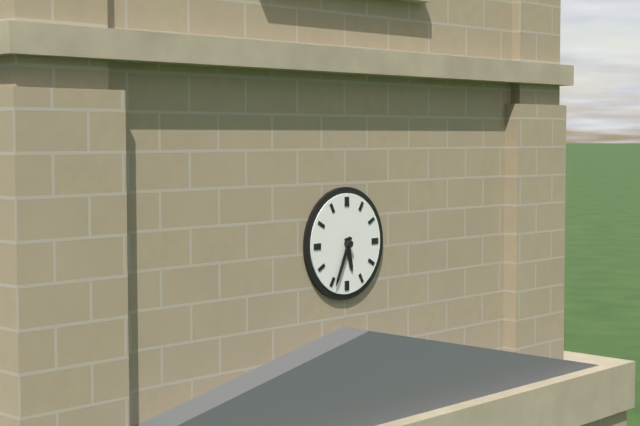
5:34
